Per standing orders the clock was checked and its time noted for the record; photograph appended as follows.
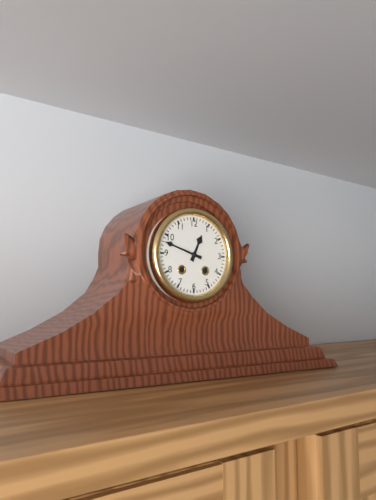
12:48
